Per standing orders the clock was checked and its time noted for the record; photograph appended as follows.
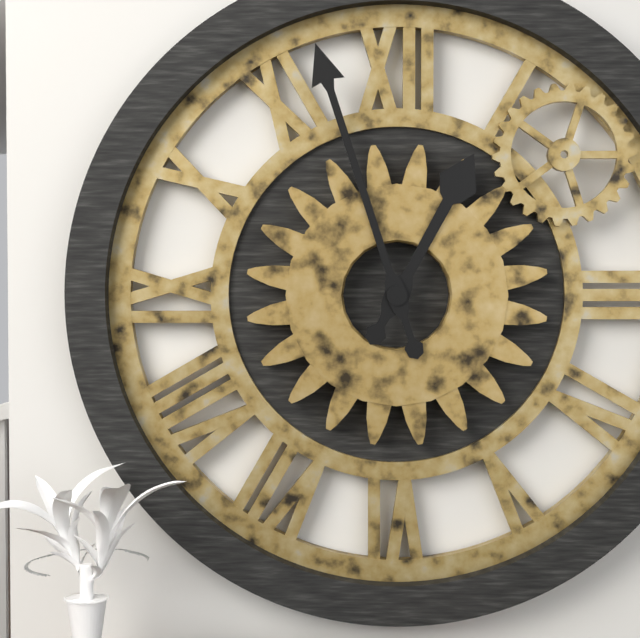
12:57
